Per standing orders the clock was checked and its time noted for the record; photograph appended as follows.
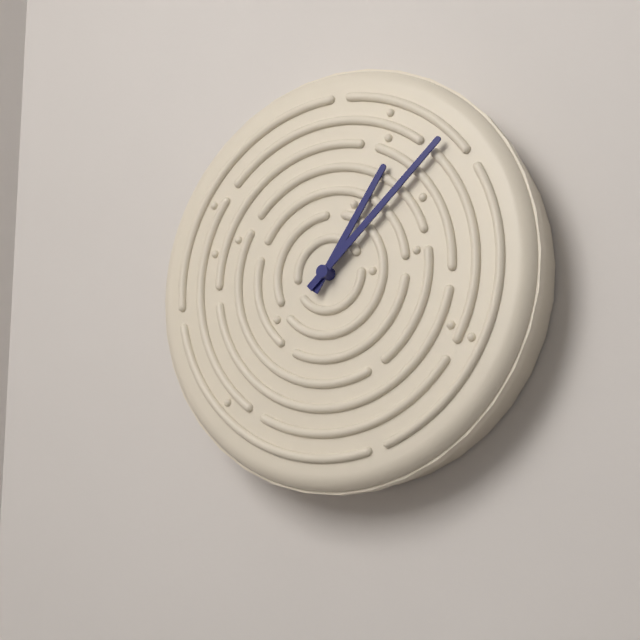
1:08
